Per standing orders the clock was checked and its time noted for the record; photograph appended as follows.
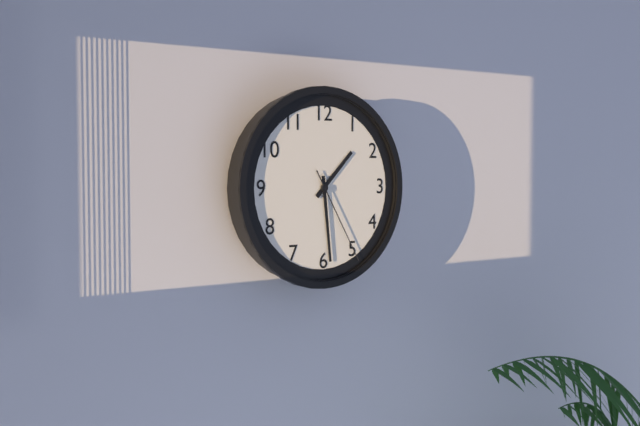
1:29:25
